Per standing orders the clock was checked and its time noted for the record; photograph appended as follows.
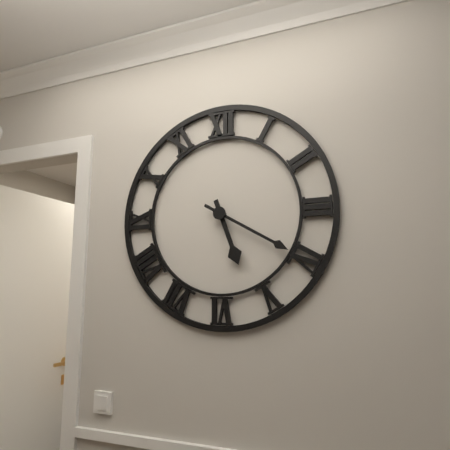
5:20
